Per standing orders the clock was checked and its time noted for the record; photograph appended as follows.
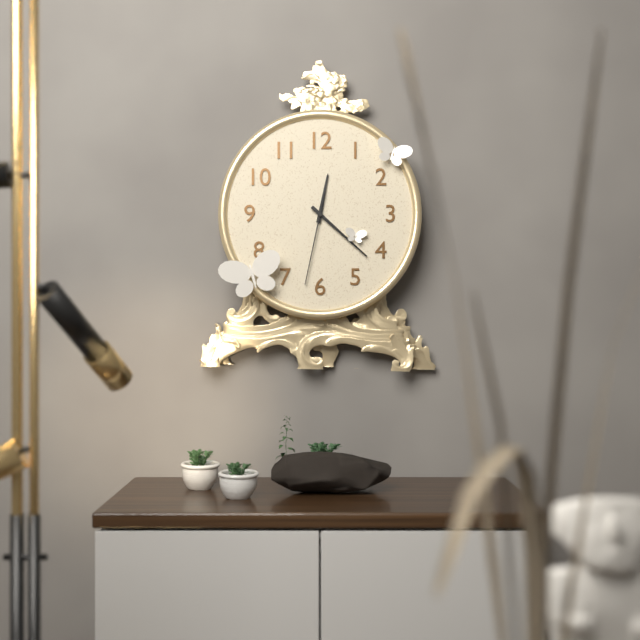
12:22:32
